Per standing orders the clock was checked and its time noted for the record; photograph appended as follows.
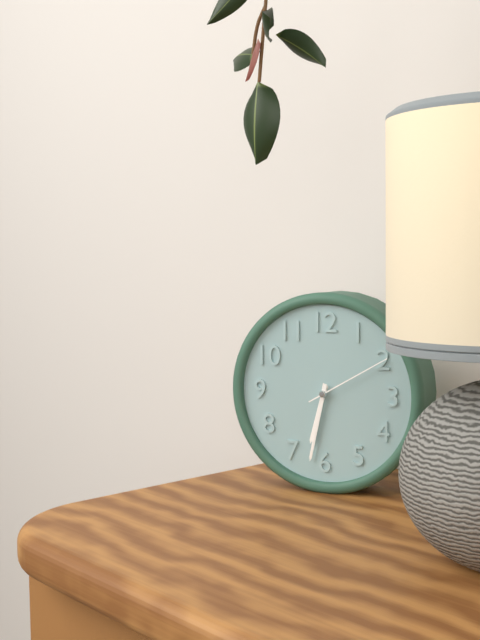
6:32:10
